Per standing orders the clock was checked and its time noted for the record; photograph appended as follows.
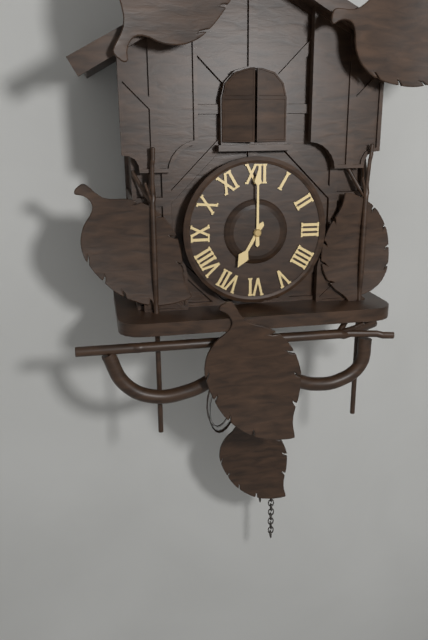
7:00
